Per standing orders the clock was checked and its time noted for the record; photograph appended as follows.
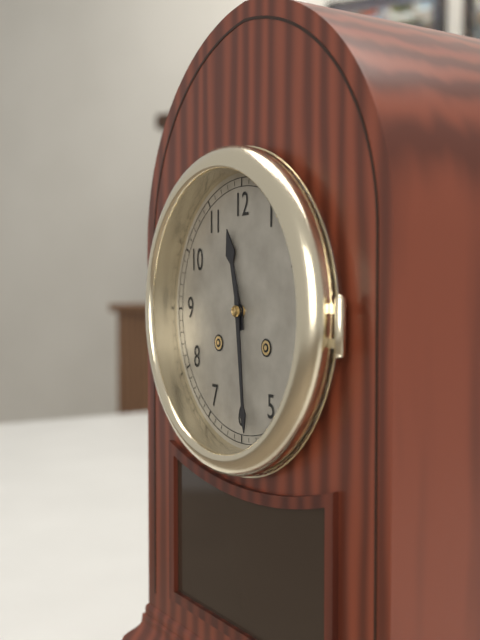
11:29
